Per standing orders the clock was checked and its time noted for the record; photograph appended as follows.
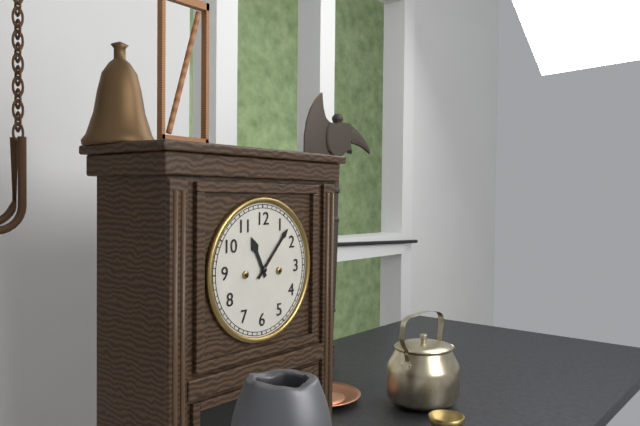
11:07
